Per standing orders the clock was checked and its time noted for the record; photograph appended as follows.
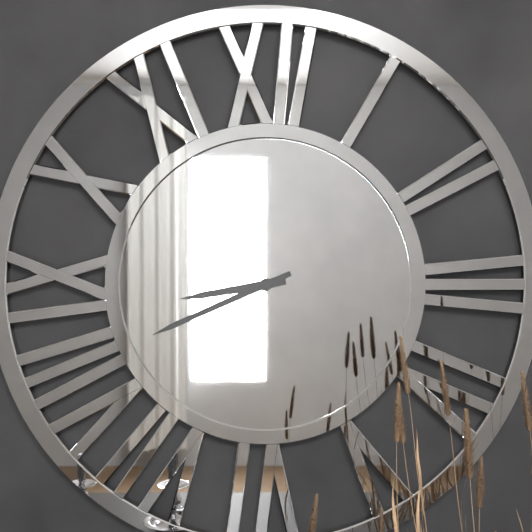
8:41
